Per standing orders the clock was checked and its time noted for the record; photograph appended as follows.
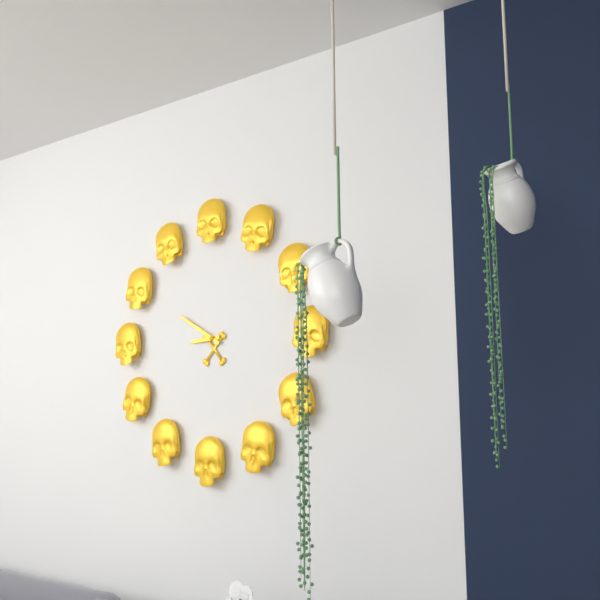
8:50
